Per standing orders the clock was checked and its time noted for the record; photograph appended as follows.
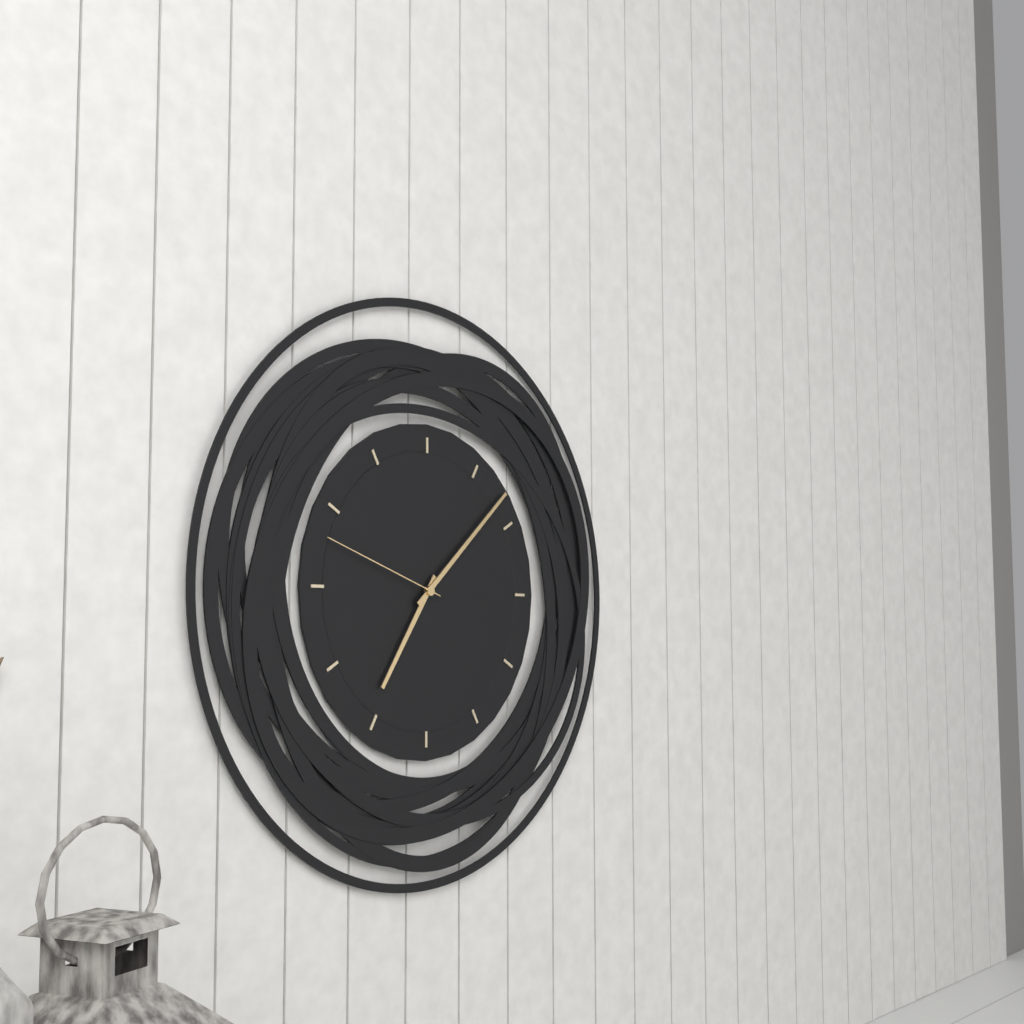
7:08:48
